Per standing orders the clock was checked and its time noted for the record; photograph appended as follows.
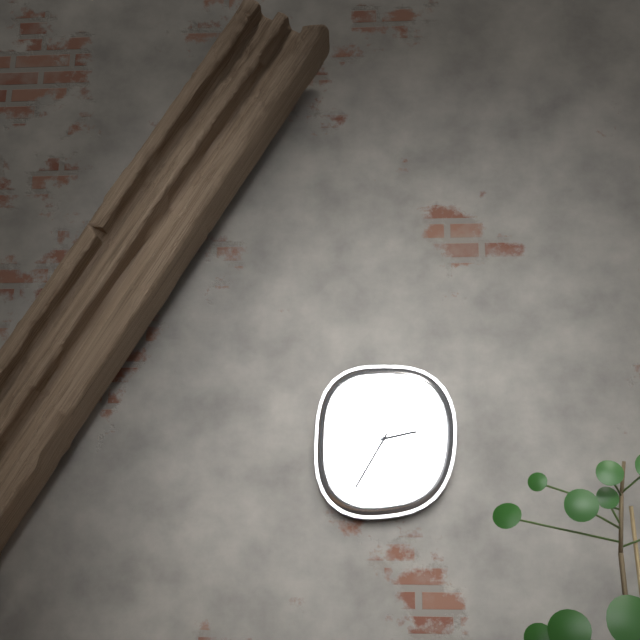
2:35
